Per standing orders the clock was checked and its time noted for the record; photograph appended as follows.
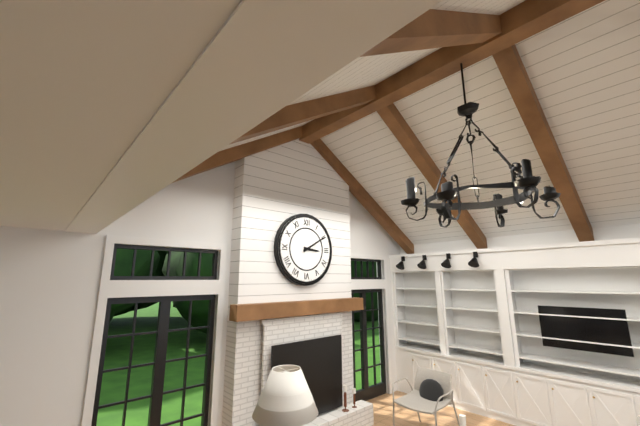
3:10
